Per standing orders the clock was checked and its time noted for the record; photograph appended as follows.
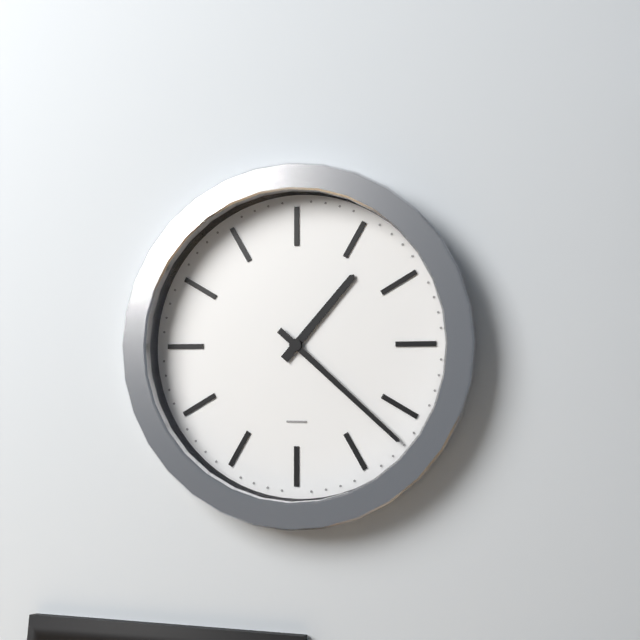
1:22
